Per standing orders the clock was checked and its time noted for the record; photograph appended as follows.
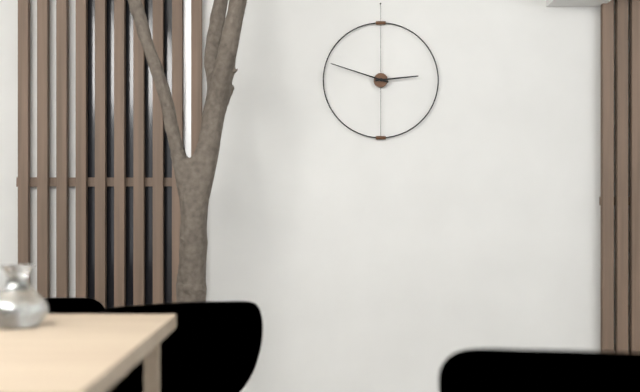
2:48
